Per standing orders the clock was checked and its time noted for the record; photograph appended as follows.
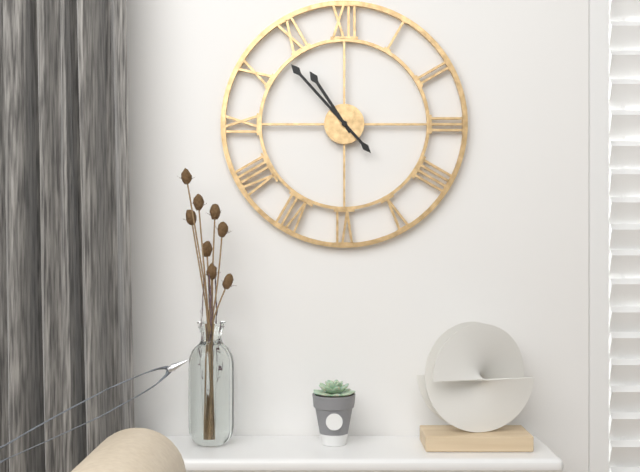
10:53
